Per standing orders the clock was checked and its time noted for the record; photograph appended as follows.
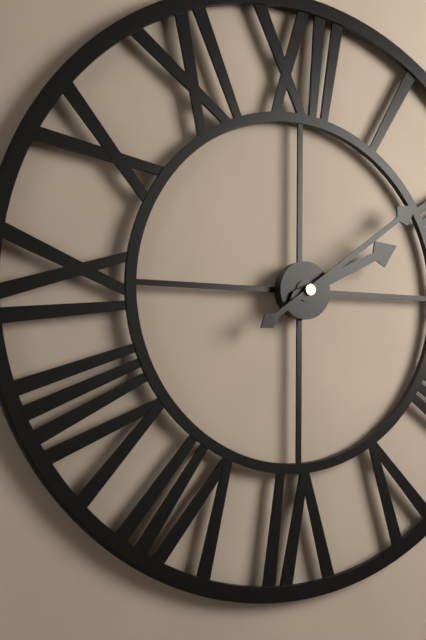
2:09
